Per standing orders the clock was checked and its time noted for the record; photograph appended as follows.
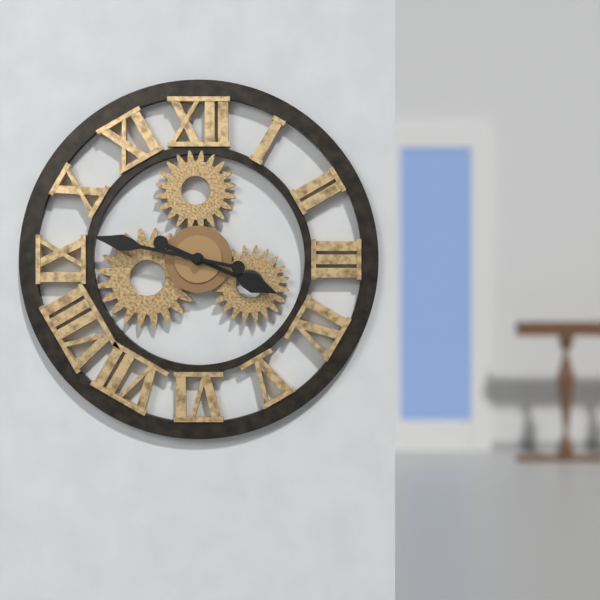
3:47
